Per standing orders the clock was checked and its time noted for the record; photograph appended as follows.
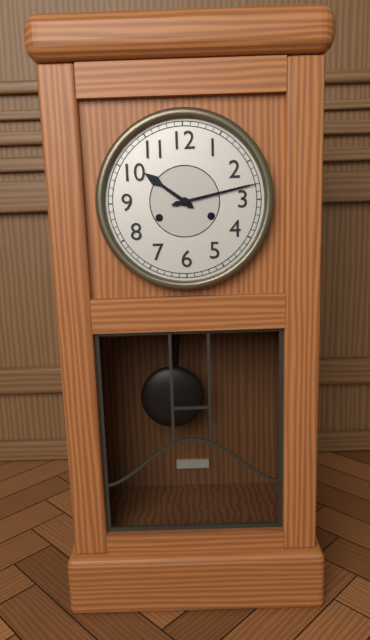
10:13
